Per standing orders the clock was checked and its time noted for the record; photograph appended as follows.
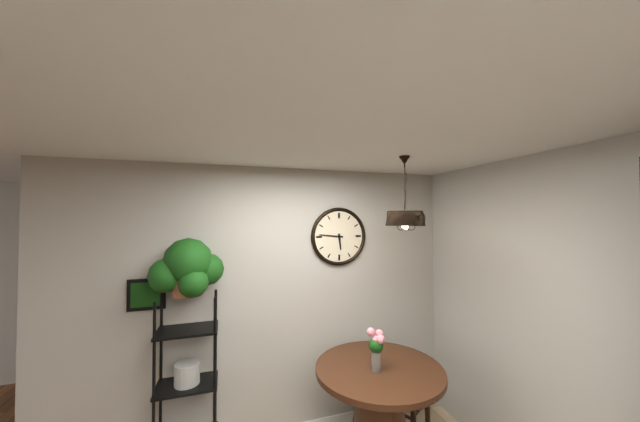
5:46
